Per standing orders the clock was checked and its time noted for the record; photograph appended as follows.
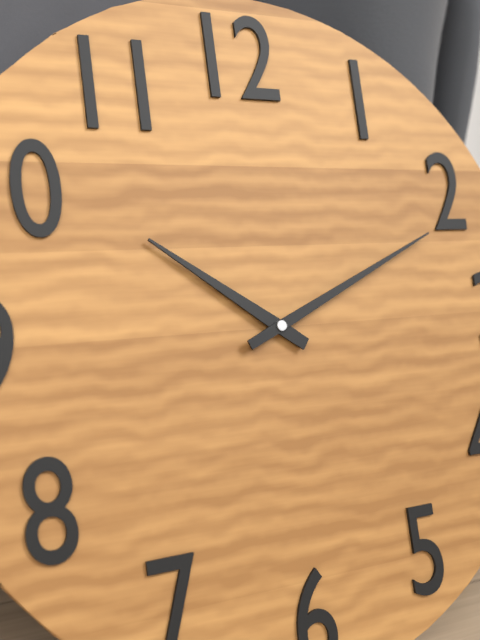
10:11
